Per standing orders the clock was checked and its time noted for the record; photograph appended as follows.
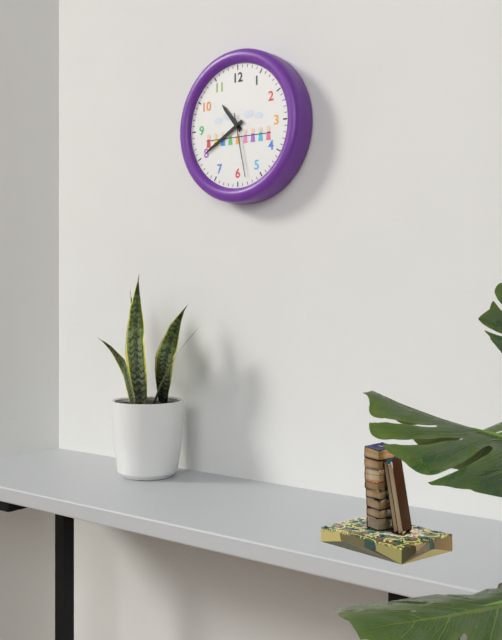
10:40:28
